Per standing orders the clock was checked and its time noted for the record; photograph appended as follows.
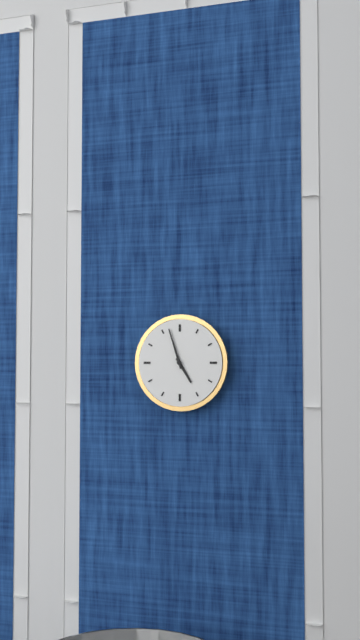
4:57
